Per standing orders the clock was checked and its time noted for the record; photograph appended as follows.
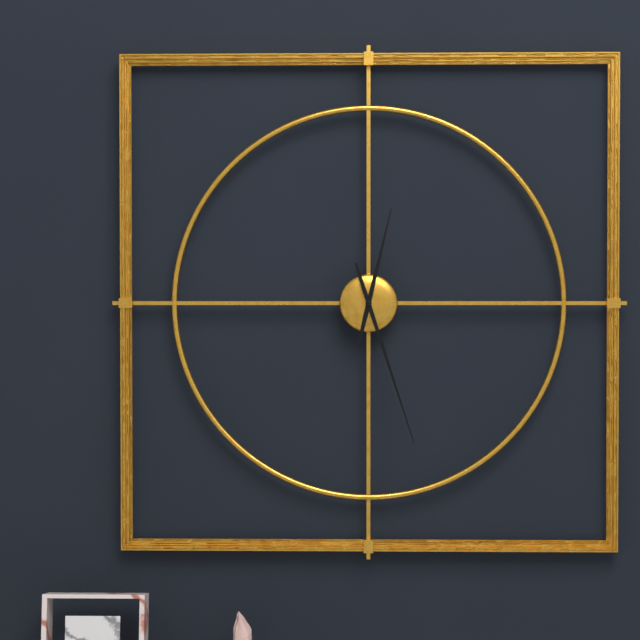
12:27
